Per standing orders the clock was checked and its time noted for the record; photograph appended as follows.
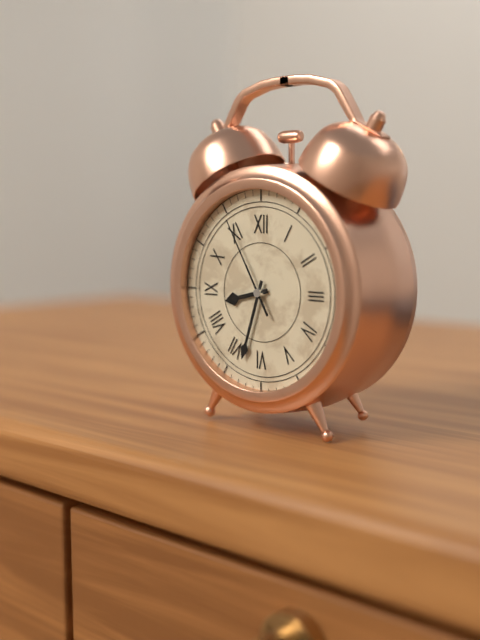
8:33:55
